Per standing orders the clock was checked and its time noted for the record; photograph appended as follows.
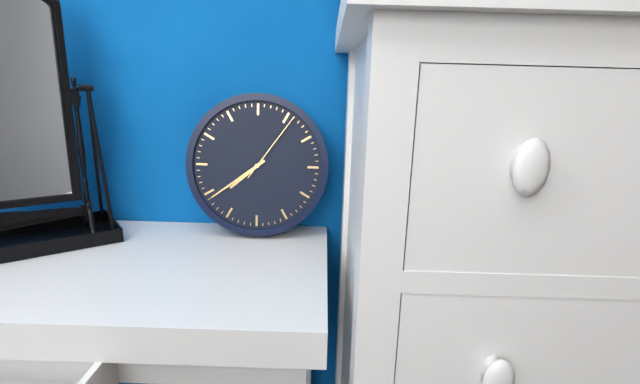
7:39:06
